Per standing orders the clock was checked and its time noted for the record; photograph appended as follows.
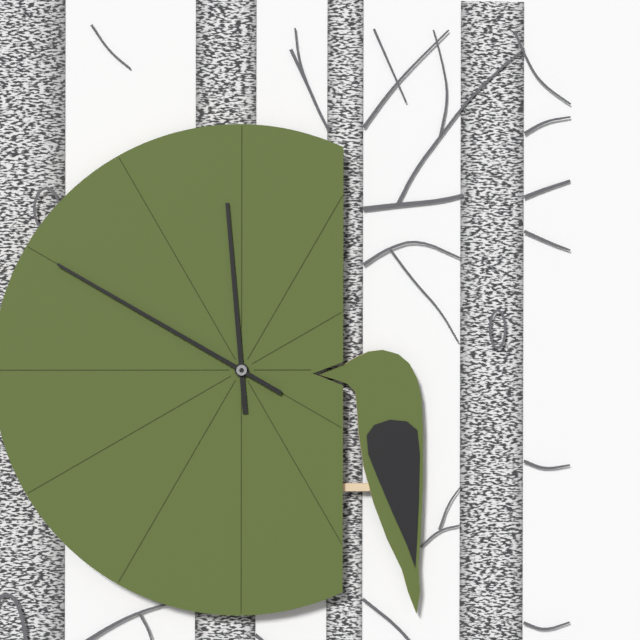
11:50
